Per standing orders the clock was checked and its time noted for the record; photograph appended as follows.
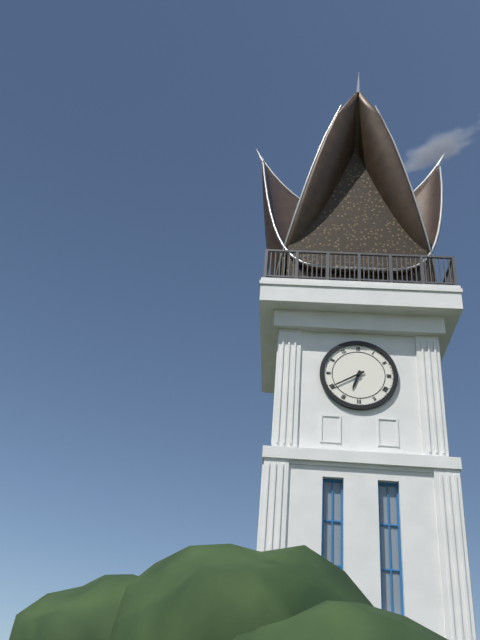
6:40
